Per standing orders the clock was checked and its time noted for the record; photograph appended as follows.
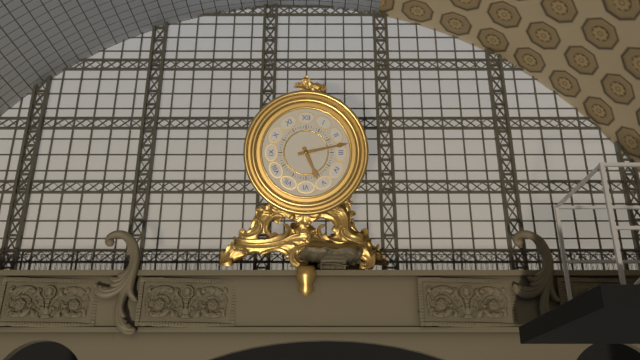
5:13
